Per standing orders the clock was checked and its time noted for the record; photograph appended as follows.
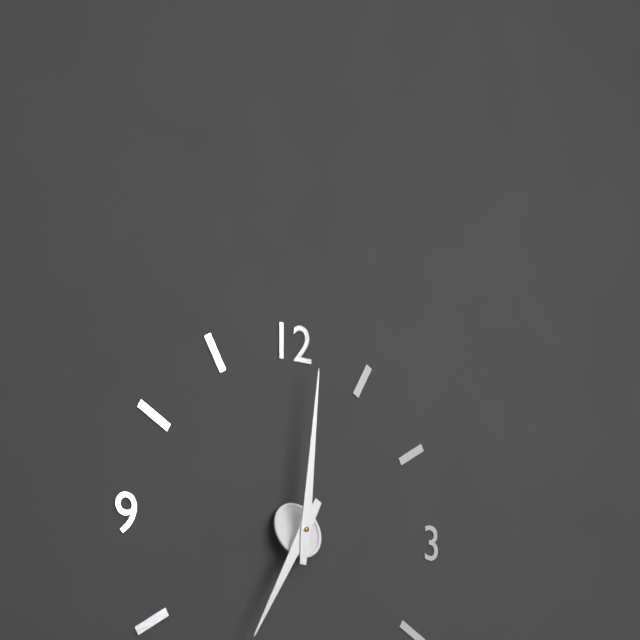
7:01
